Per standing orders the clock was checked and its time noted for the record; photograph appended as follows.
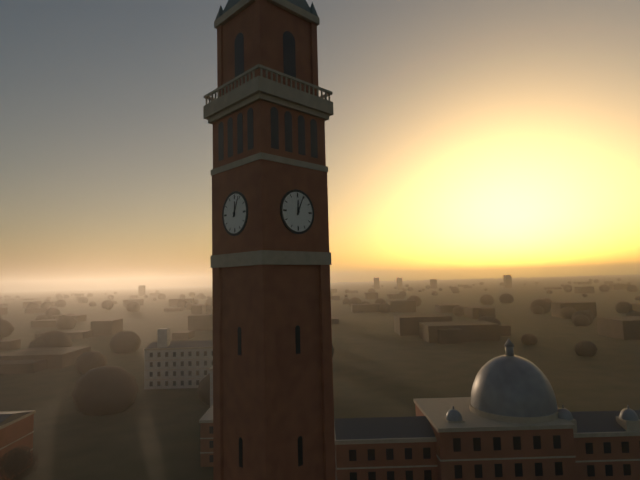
12:04
